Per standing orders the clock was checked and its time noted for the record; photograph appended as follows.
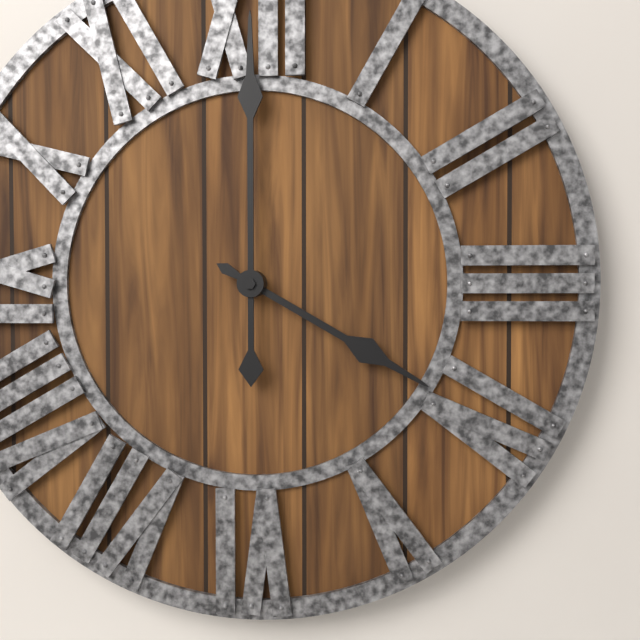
4:00
